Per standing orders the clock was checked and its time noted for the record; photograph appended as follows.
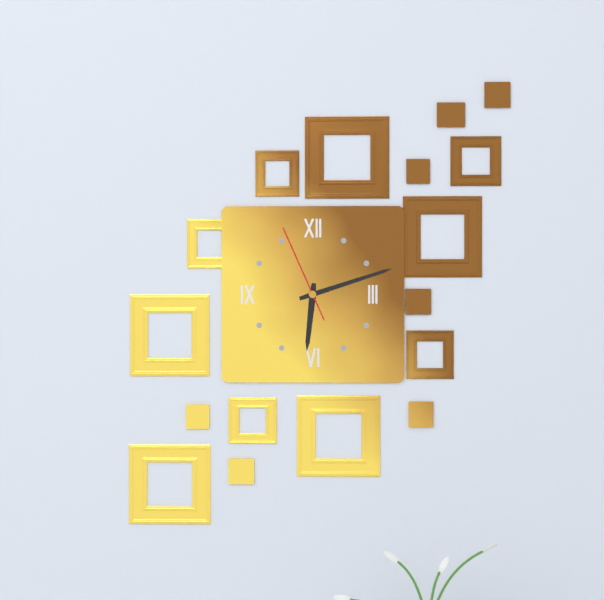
6:12:56
